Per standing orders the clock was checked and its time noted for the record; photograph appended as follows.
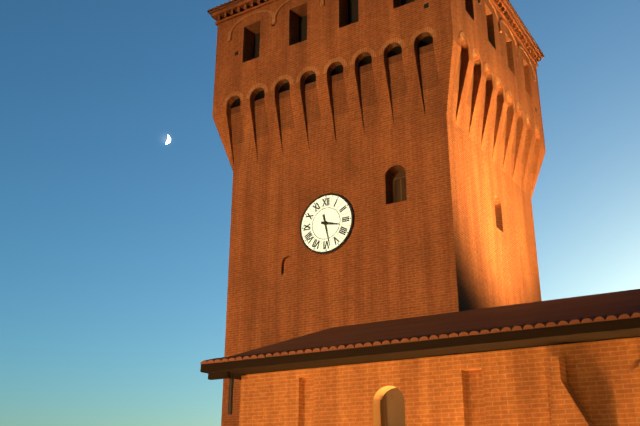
3:28
